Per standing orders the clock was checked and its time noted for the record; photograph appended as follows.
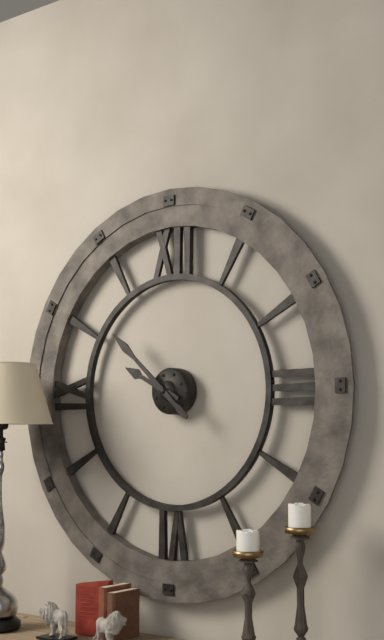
9:52
